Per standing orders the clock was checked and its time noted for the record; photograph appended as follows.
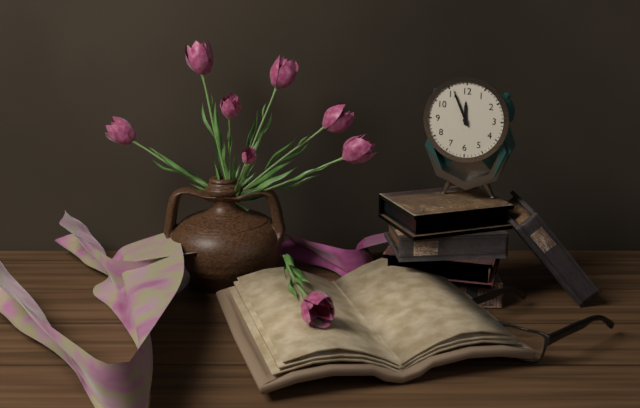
11:56
